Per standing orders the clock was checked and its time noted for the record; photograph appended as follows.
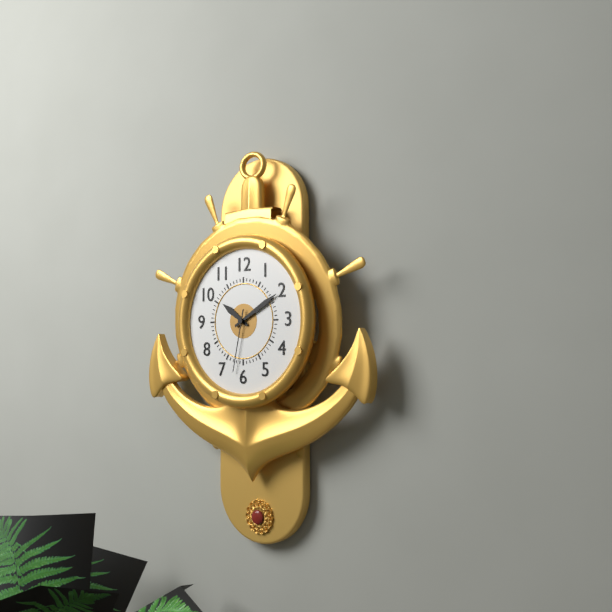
10:10:32
